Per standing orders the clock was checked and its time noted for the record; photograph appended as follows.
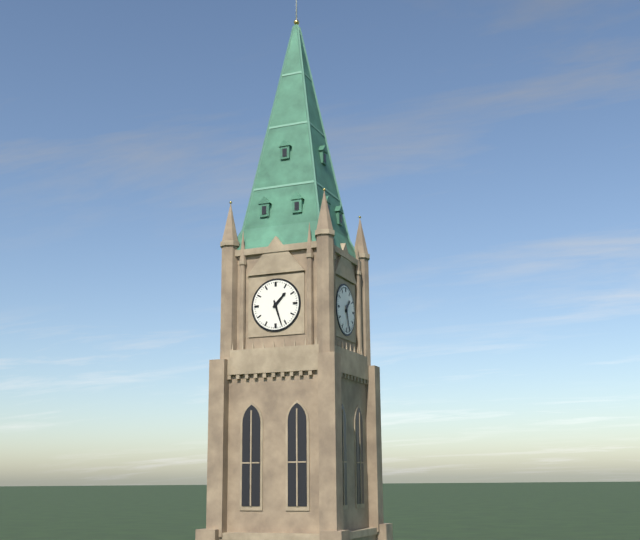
1:27
